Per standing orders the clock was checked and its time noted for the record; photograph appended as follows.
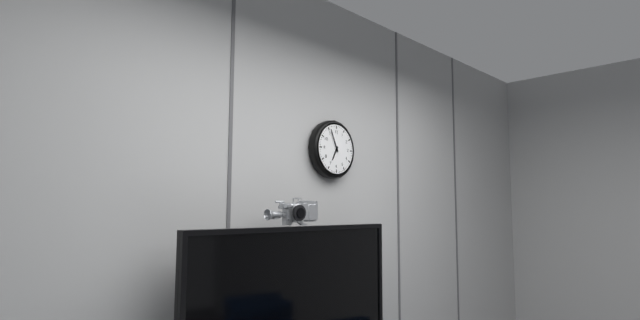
6:56
